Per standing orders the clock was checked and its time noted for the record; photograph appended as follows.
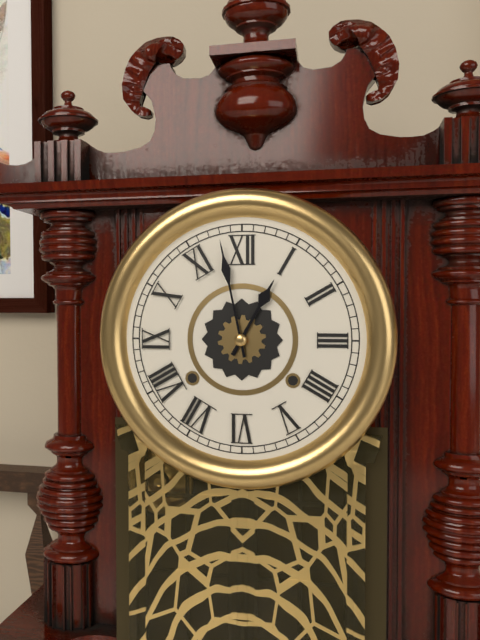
12:58
